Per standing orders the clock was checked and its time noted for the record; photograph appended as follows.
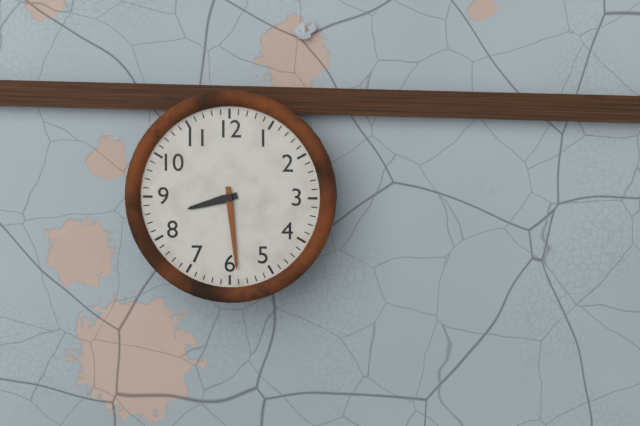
8:29
